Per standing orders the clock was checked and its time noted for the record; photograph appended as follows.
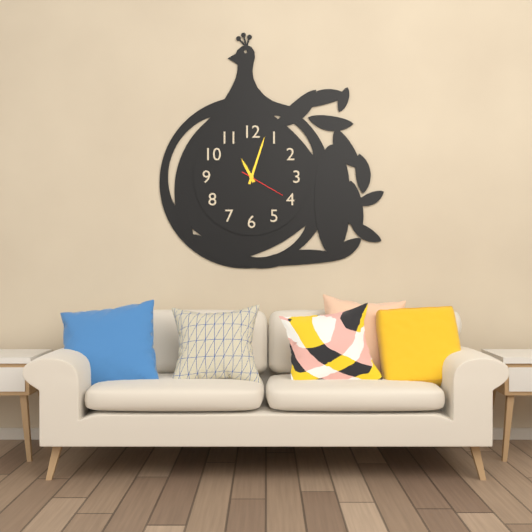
11:03
